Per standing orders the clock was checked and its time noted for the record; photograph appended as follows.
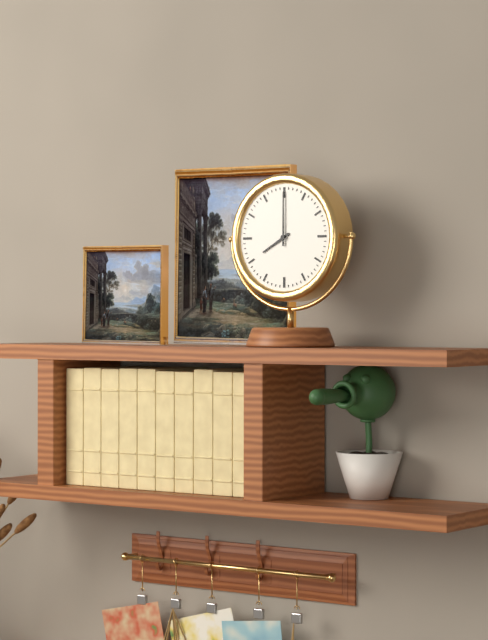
8:00
